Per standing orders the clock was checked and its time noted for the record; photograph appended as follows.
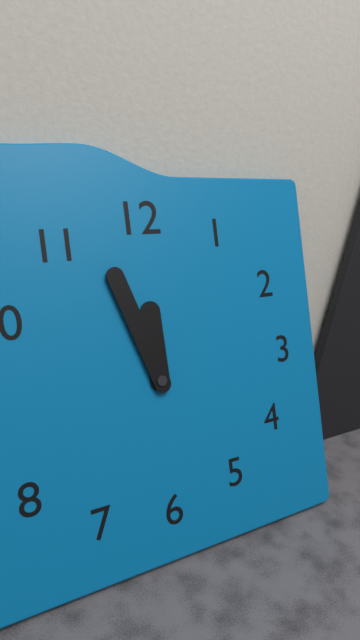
11:57
